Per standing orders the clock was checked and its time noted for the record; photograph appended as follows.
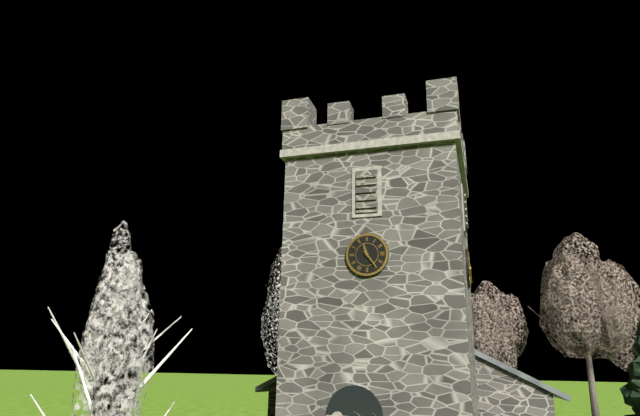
11:24
